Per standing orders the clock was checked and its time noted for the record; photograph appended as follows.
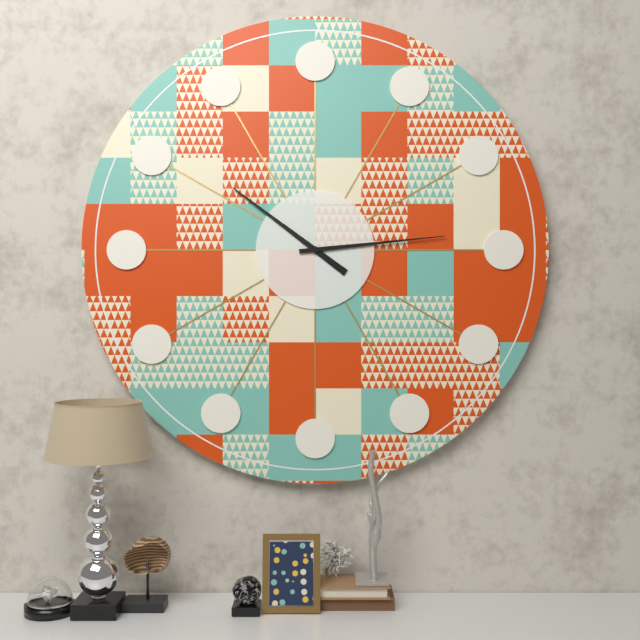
10:14
